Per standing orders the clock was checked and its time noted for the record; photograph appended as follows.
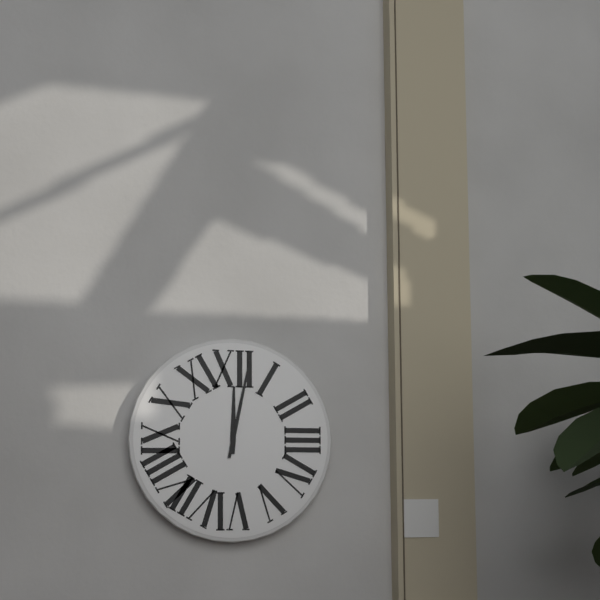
12:02
